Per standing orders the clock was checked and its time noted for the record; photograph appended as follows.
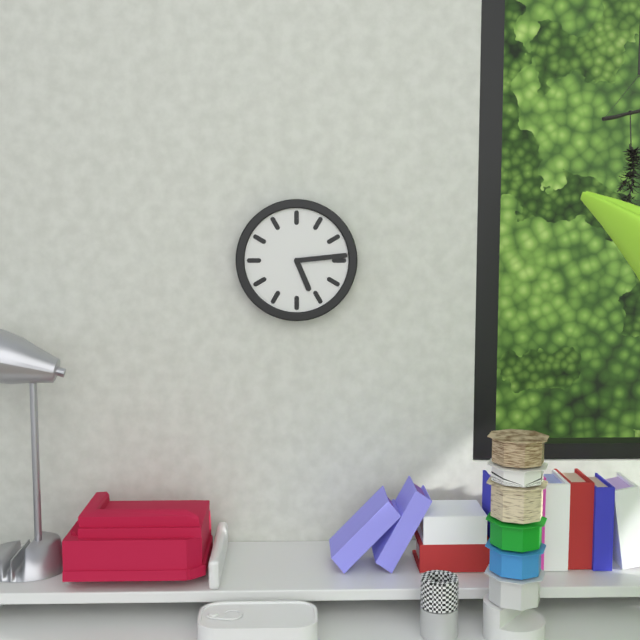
5:14
